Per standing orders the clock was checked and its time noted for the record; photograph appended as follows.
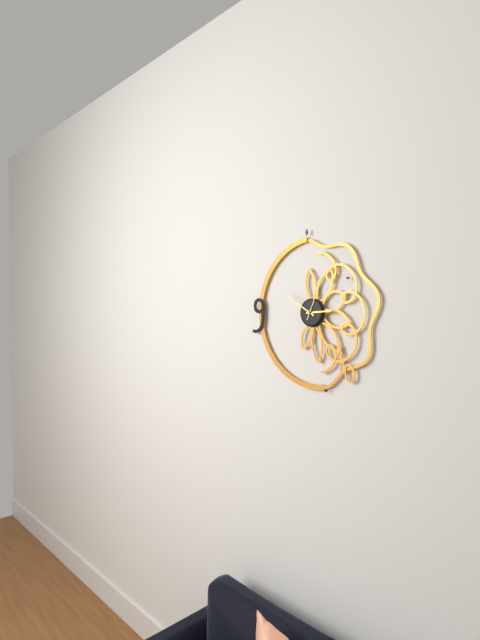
2:50
